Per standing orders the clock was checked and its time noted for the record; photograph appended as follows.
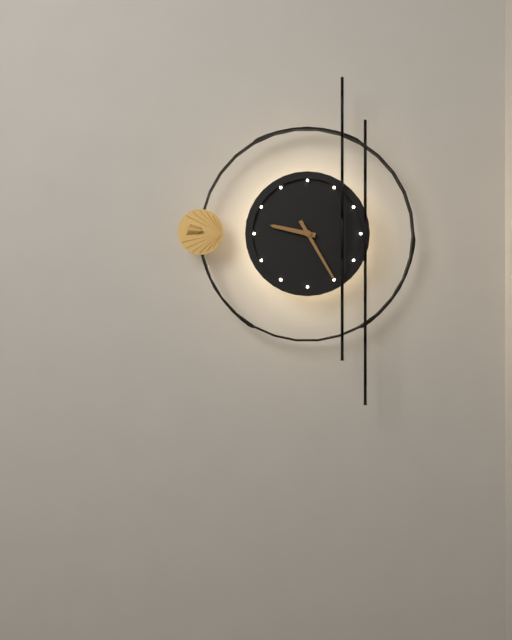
9:25
